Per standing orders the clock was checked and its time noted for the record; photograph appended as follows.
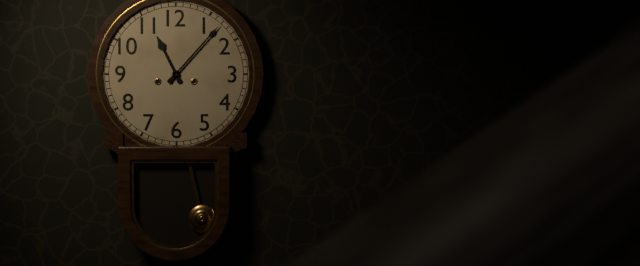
11:07
